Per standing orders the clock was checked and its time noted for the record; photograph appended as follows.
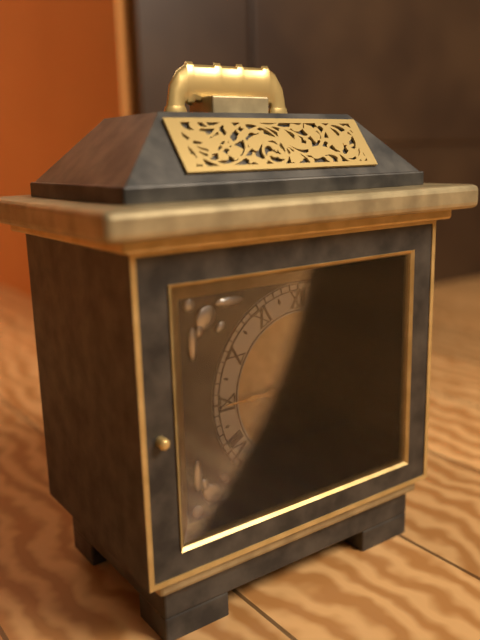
12:45
